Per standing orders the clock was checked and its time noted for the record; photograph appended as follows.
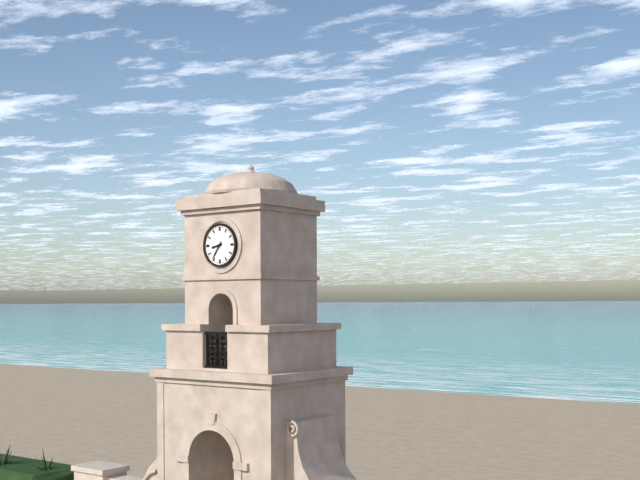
8:36
